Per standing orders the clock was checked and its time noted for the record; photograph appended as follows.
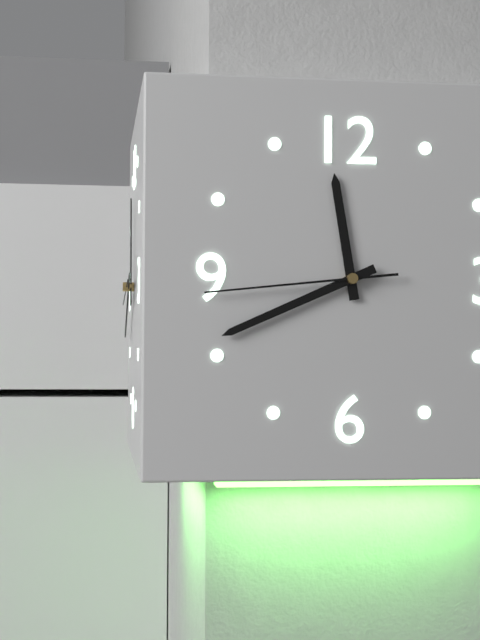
11:41:44
